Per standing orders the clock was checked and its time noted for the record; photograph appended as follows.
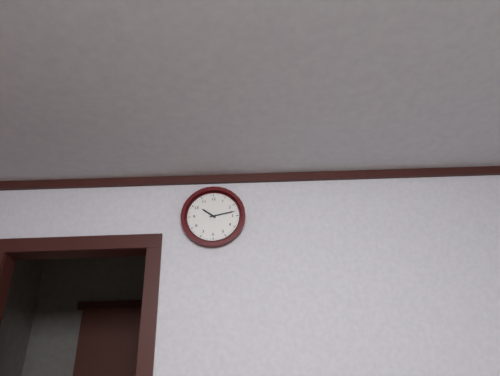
10:13
